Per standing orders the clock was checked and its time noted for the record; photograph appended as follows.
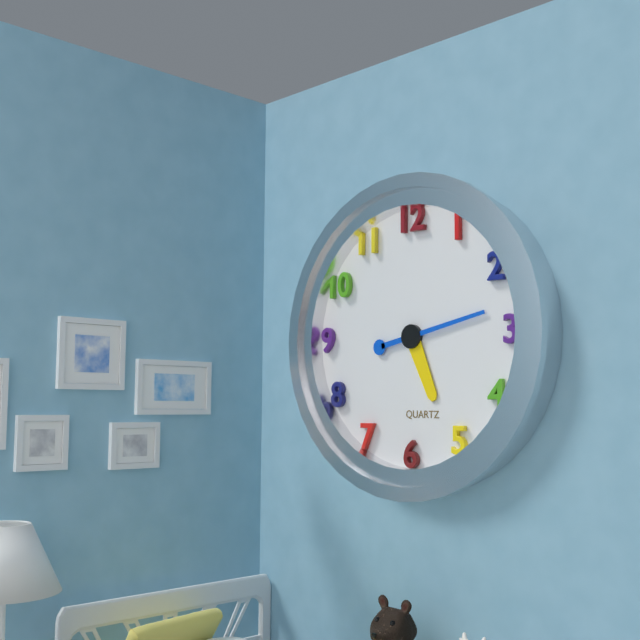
5:13
